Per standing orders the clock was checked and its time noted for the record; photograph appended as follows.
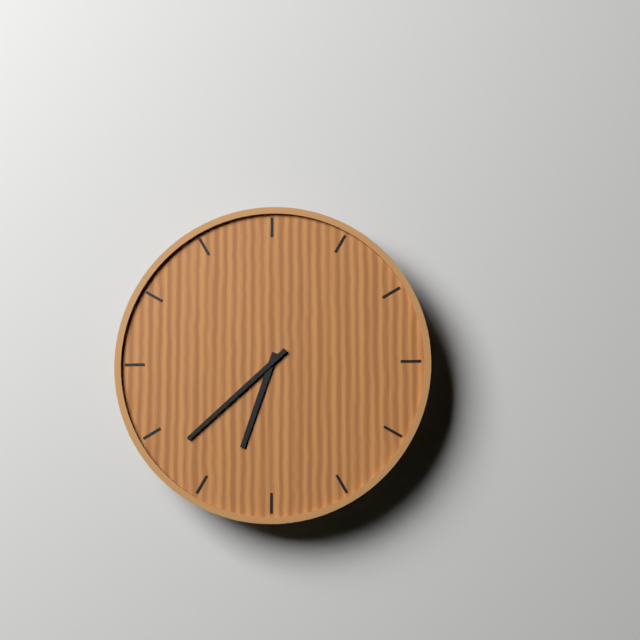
6:38
